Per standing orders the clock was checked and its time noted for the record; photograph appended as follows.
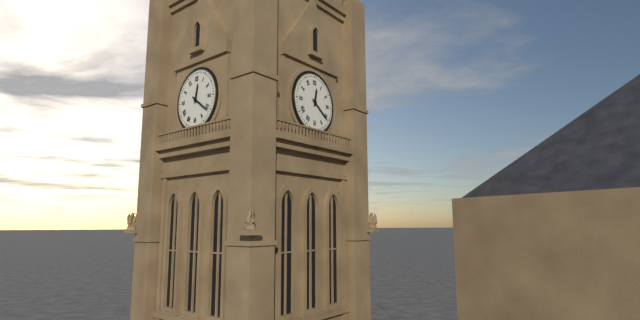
12:21
